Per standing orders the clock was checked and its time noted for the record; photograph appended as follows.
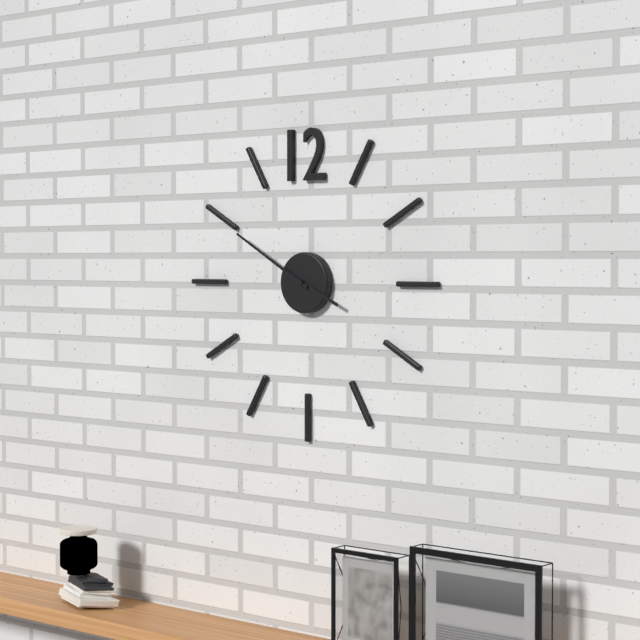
3:50
